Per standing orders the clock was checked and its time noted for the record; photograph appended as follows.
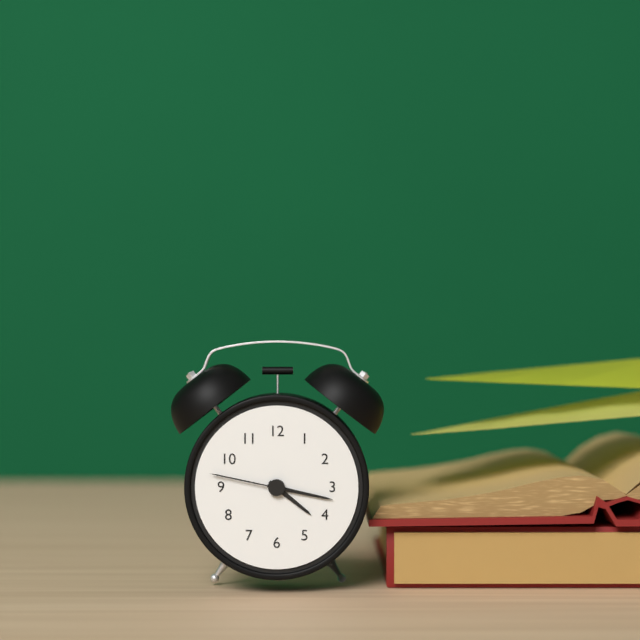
4:17:47
